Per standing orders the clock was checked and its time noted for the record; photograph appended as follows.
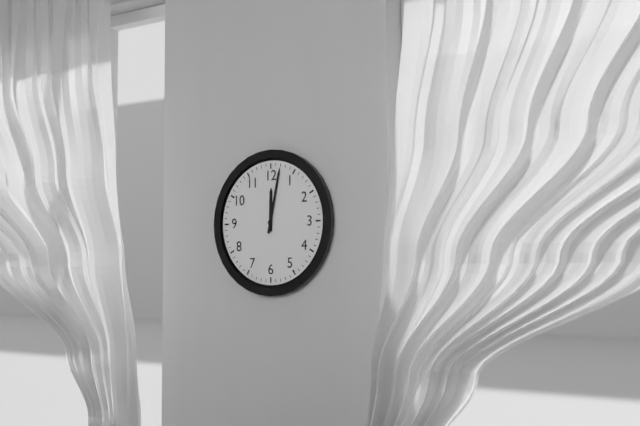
12:02
